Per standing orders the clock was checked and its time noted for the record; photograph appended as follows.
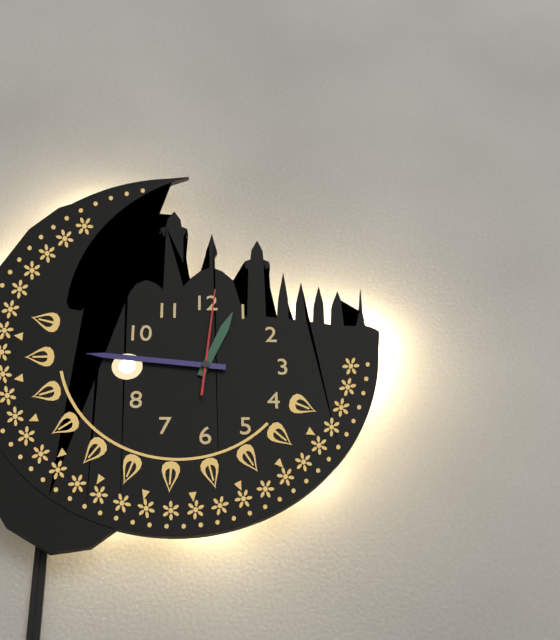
12:46:01
